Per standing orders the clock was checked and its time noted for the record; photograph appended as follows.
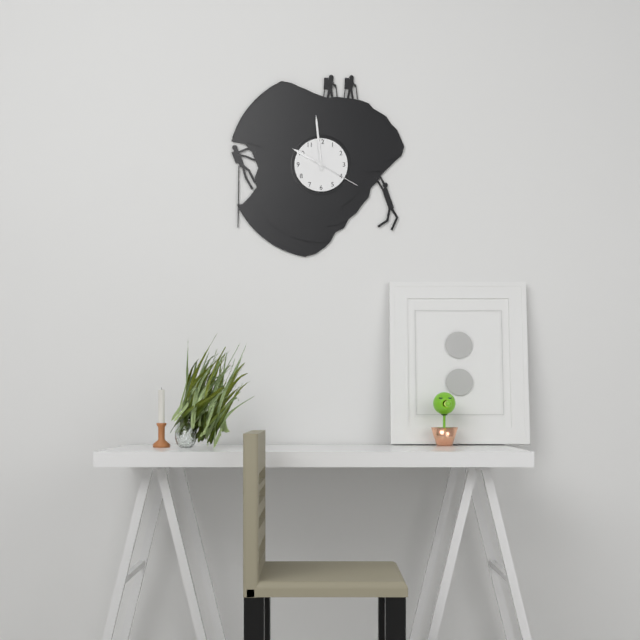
9:59:20
